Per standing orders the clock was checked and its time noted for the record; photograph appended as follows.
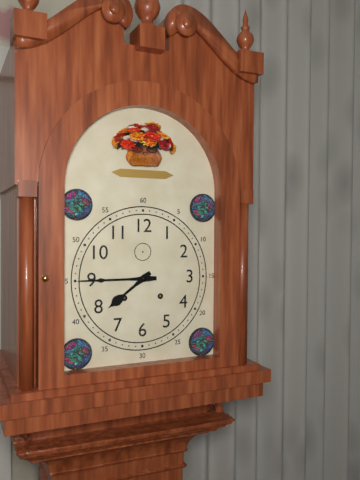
7:45
